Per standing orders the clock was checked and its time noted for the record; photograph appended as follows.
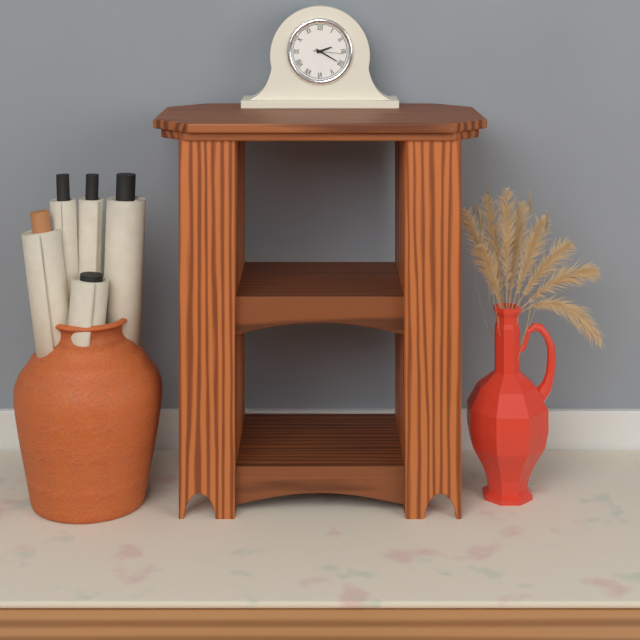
2:20
